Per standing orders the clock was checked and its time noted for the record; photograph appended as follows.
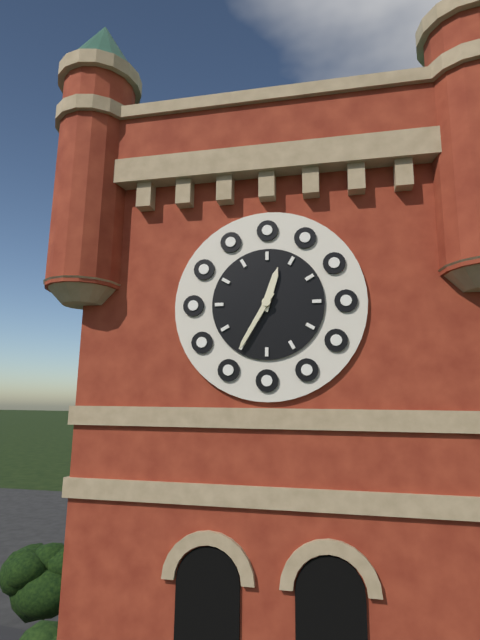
12:35
